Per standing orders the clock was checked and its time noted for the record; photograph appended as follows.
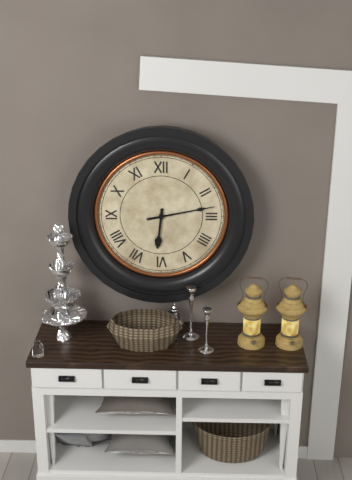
6:13
